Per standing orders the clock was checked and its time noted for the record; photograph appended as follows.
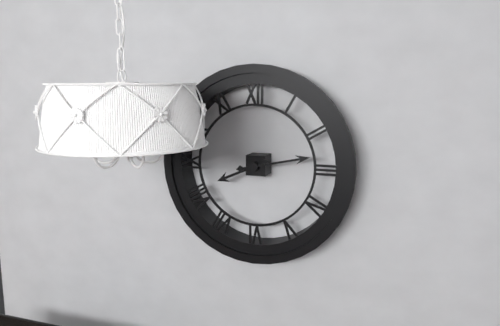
8:13
